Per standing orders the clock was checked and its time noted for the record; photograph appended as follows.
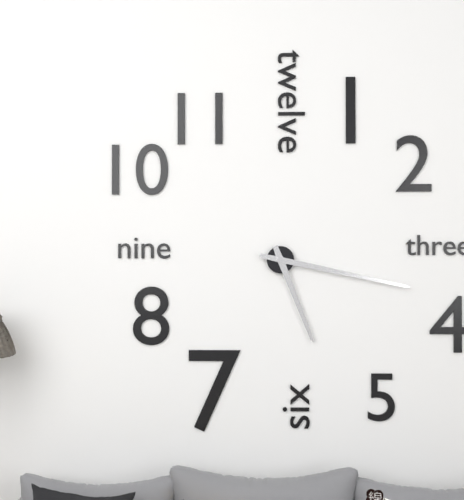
5:17
